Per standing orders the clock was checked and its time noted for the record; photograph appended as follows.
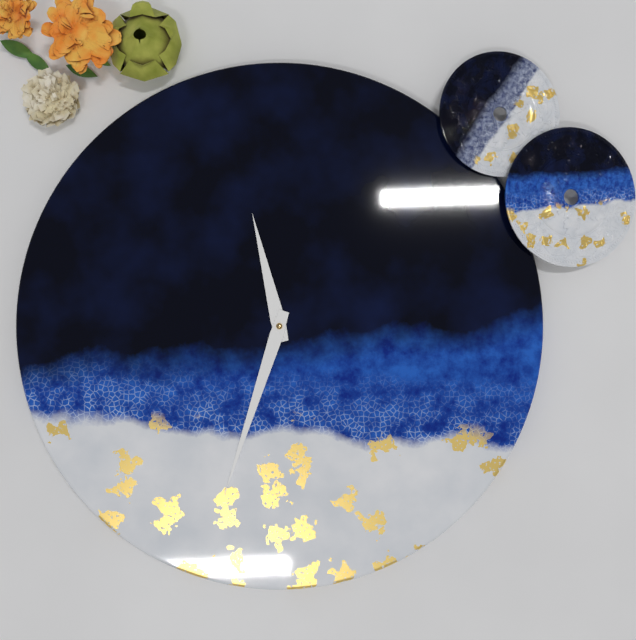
11:33
